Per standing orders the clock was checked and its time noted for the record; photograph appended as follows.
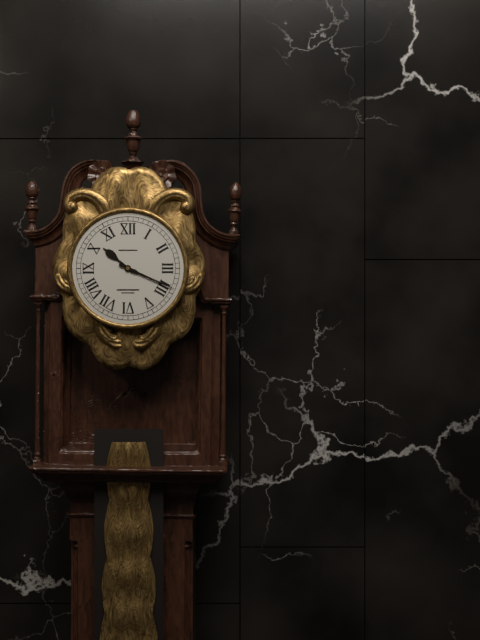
10:19
